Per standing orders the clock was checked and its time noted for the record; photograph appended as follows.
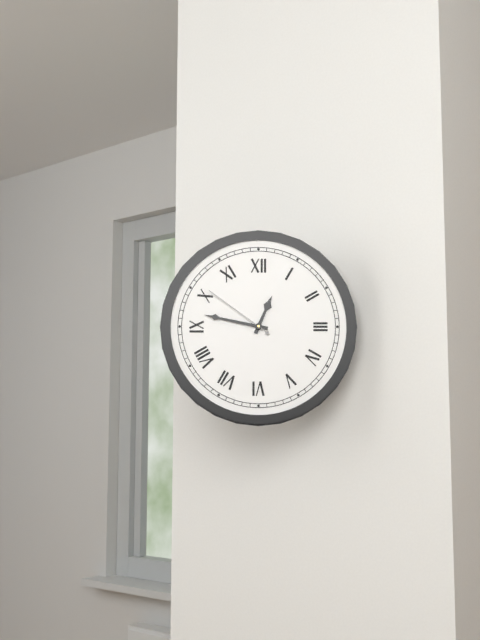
12:47:51
